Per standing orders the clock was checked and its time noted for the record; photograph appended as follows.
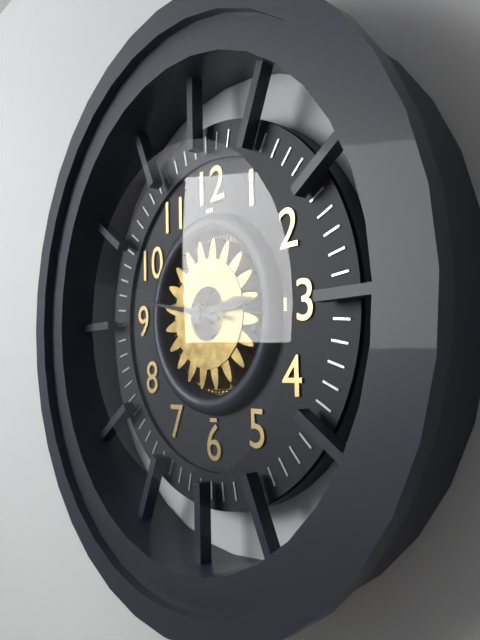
2:47
